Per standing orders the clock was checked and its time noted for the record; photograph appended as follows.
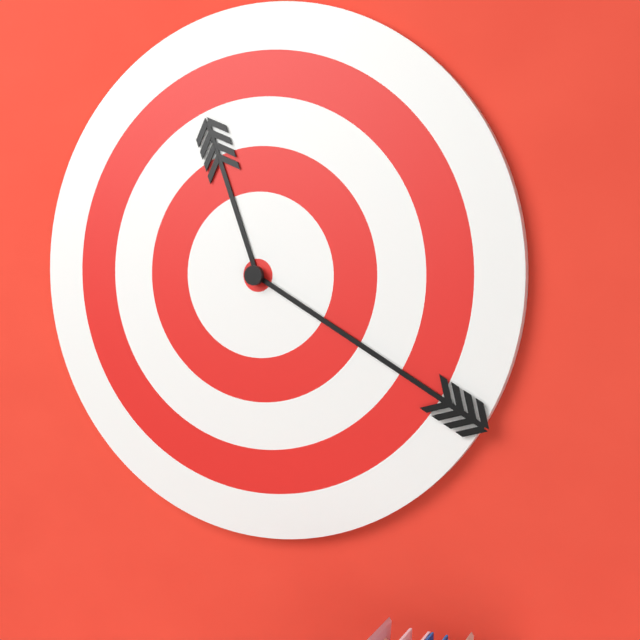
11:20
